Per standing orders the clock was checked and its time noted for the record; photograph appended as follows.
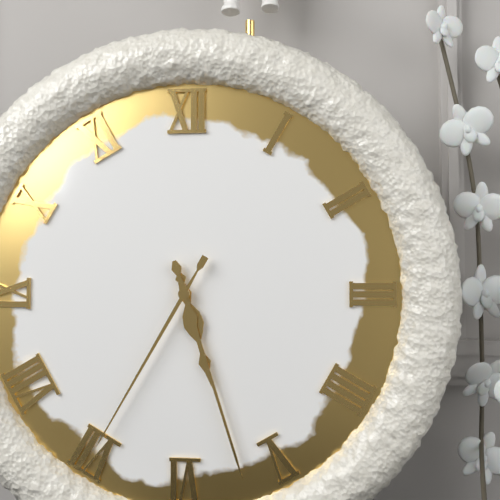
5:27:35
